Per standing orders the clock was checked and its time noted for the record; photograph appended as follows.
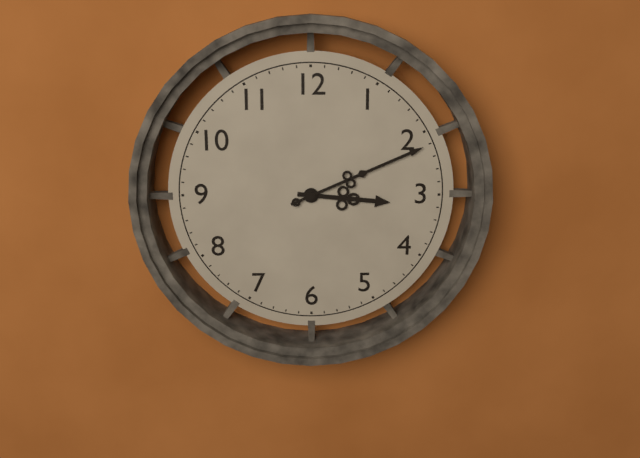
3:11
